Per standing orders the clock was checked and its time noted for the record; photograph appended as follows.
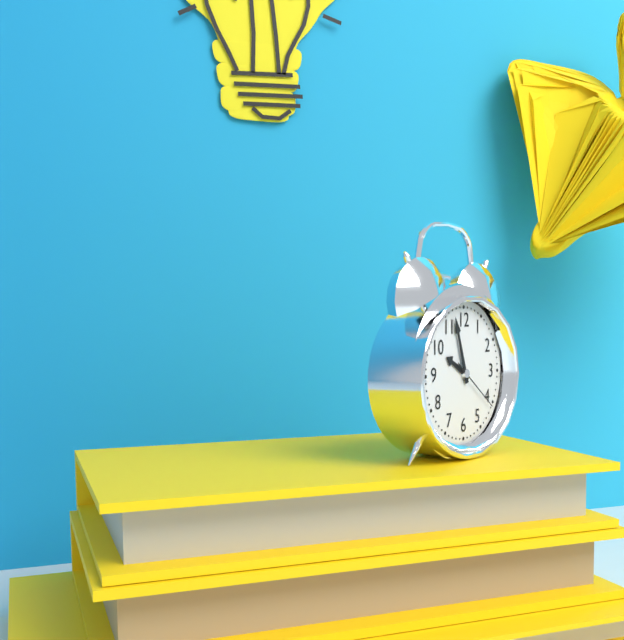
9:57:21
